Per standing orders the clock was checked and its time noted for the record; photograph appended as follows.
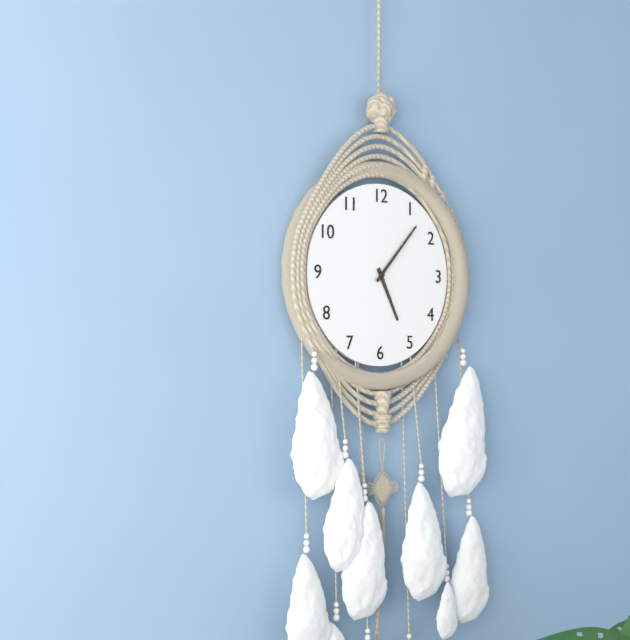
5:07
